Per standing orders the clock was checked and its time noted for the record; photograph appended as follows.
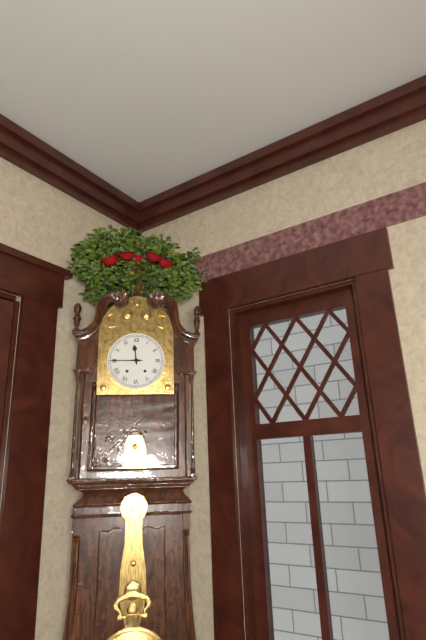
11:45
